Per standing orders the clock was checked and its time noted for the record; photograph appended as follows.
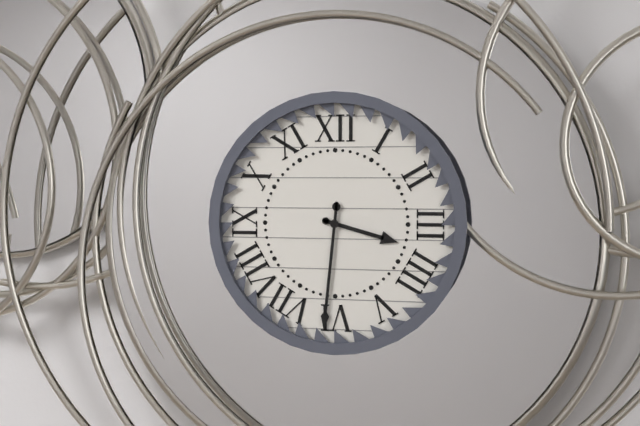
3:31
